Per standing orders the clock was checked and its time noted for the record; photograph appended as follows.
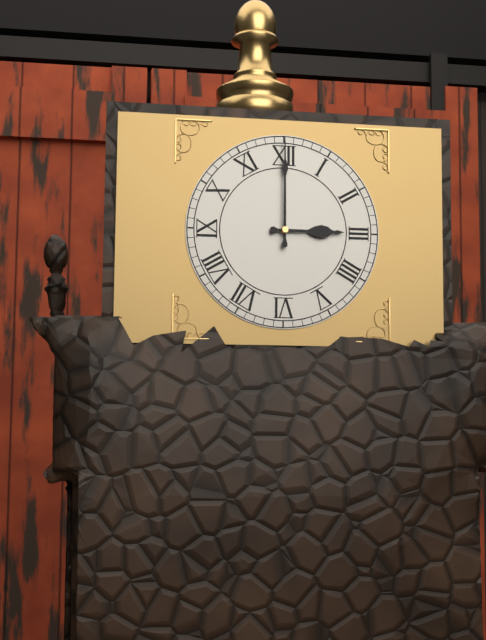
3:00
